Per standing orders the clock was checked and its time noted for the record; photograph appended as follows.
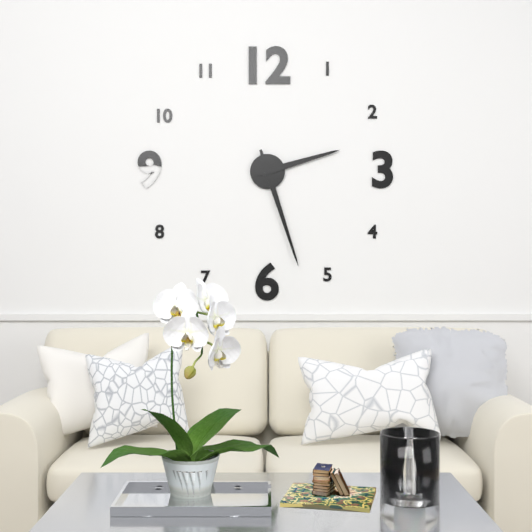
2:27
